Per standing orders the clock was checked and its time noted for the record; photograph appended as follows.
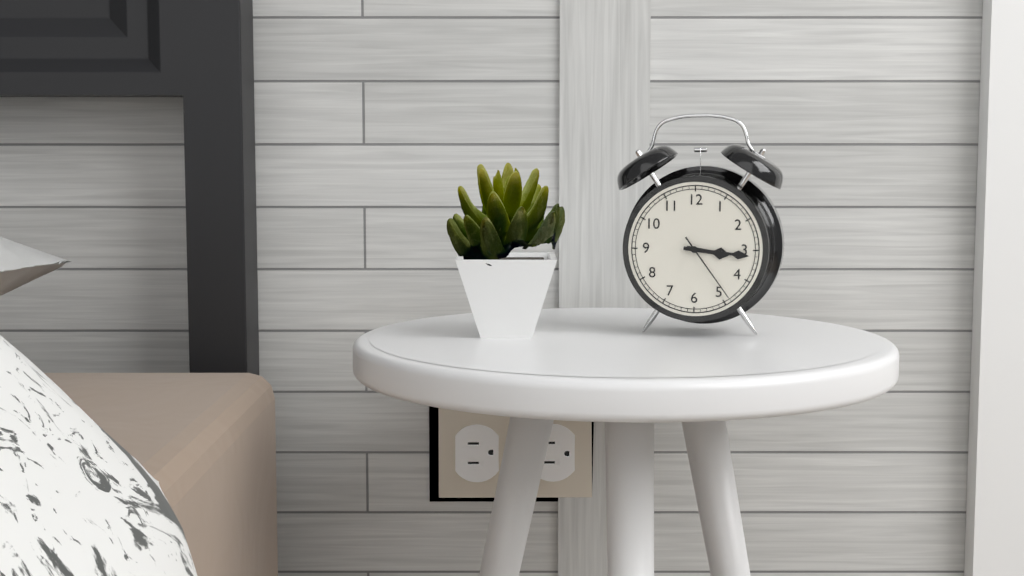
3:16:24
